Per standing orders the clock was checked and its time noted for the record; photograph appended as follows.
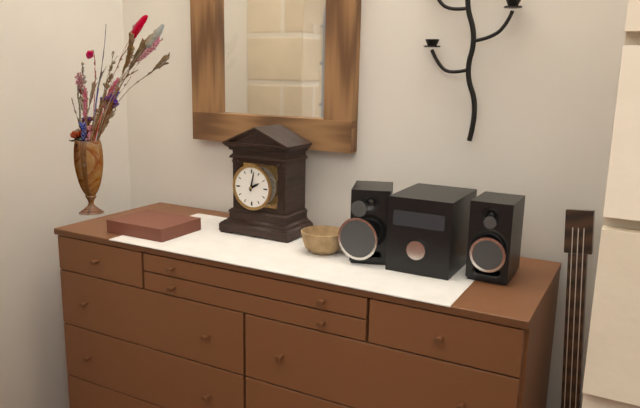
2:02
